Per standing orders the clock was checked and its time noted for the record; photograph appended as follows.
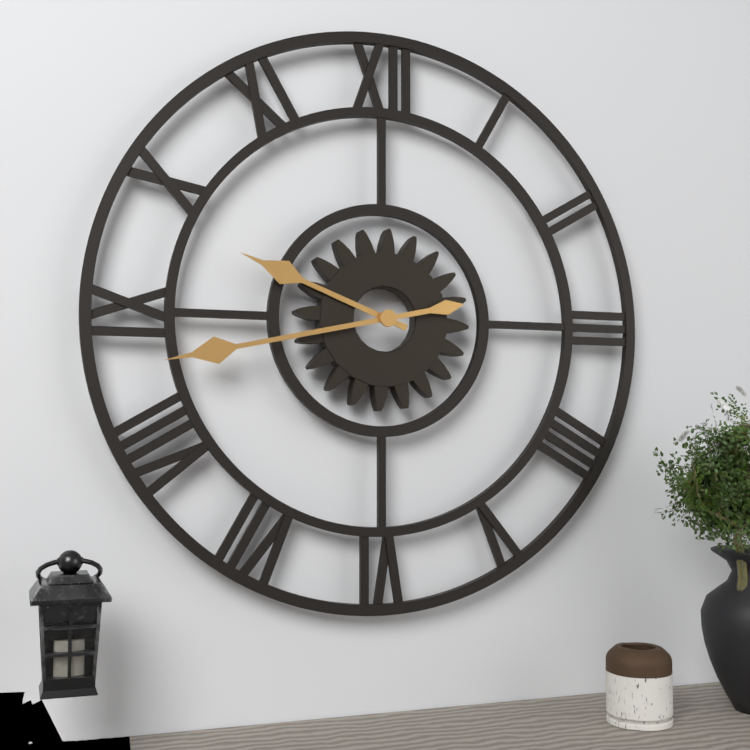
9:43
